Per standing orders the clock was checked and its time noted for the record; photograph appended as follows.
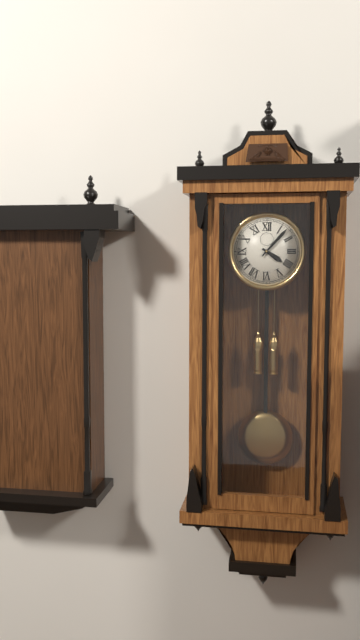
4:07
